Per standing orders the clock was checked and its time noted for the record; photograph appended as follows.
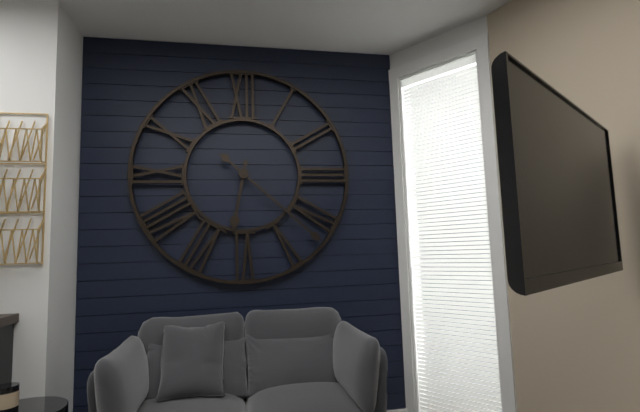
6:22
